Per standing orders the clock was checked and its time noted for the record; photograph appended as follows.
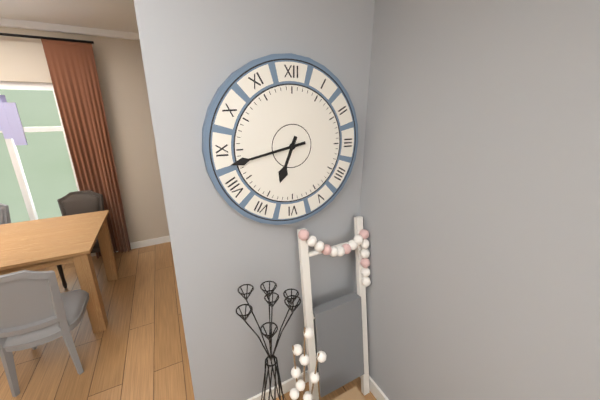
6:43
